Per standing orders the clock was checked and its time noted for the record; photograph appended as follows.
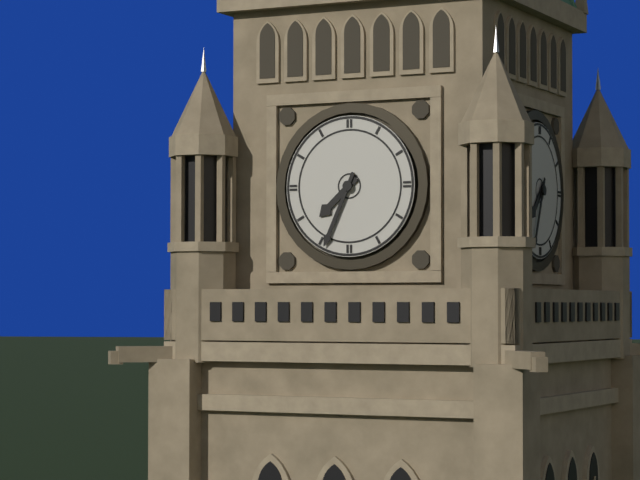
7:34
